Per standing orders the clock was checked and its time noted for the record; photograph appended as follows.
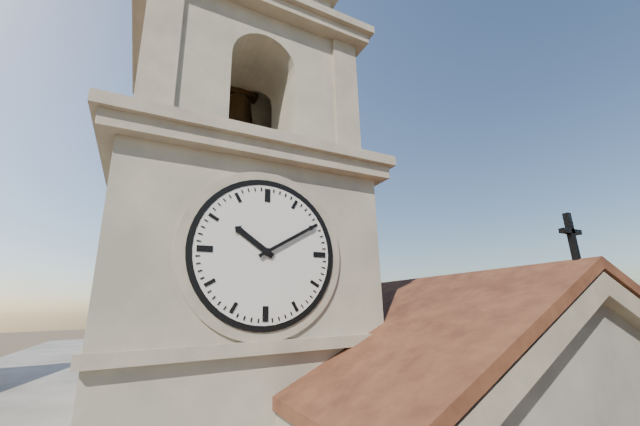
10:10
